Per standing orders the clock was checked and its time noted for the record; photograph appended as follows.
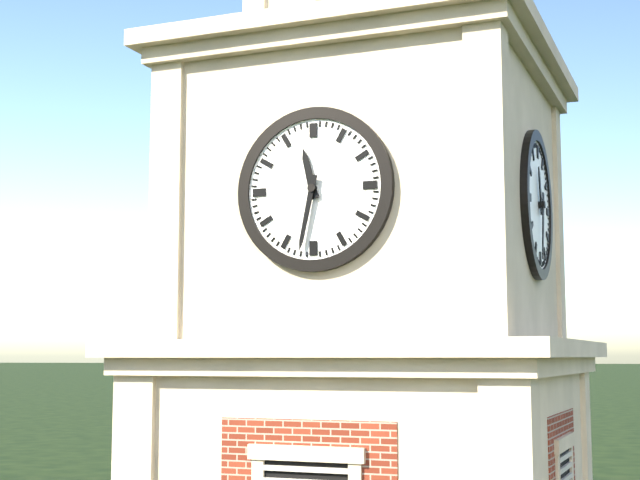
11:32
